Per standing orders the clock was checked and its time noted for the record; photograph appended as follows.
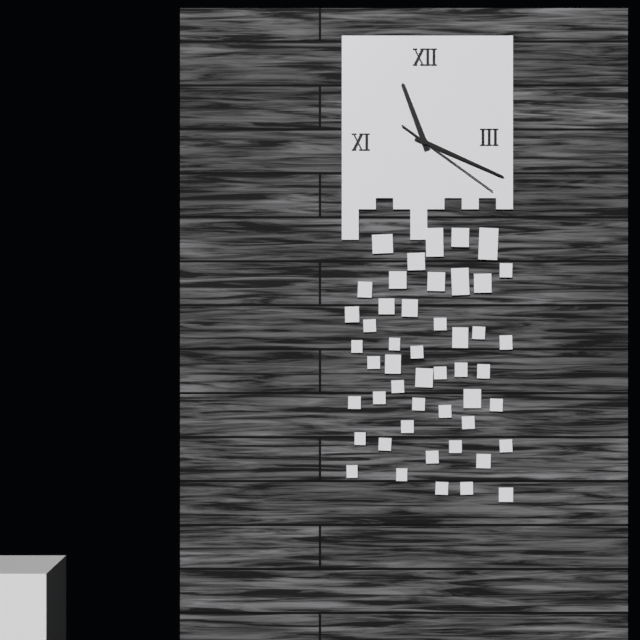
11:19:21
